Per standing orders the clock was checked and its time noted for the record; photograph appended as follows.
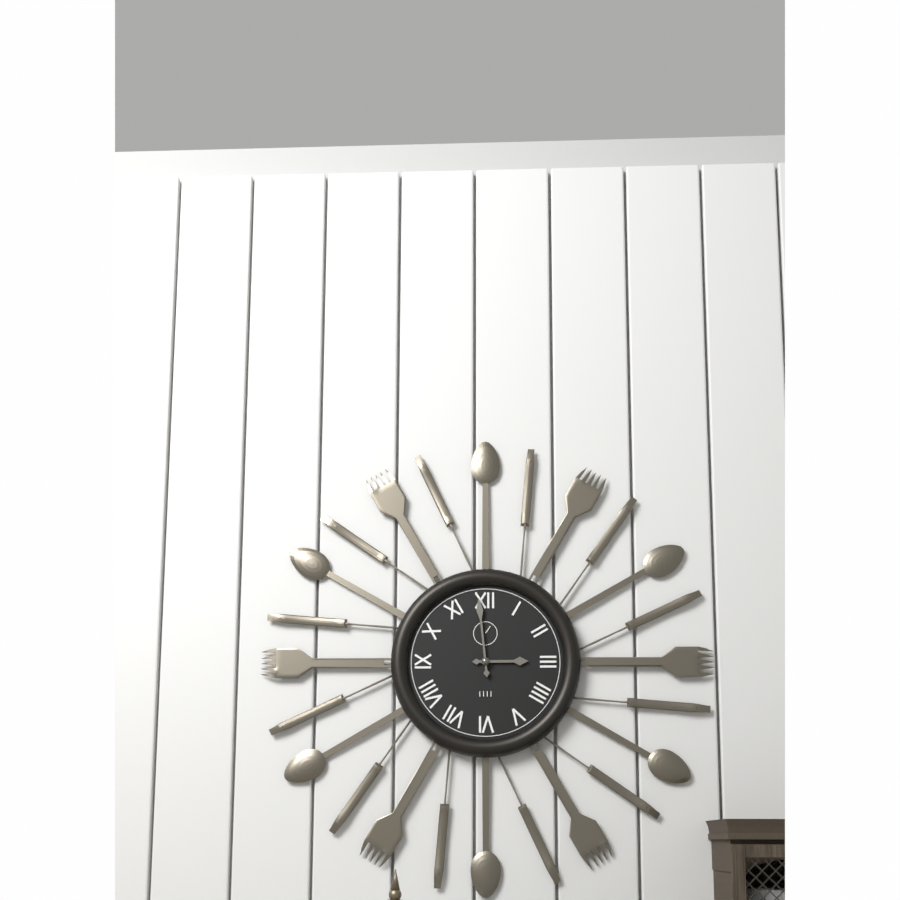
2:59
